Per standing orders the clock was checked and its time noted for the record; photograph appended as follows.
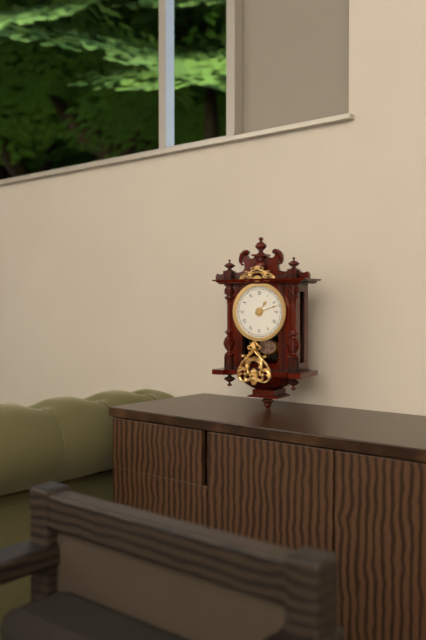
1:12
